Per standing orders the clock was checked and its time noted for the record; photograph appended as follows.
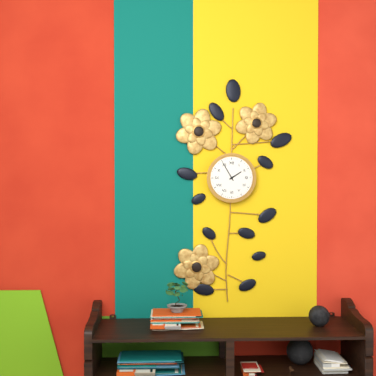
1:55
